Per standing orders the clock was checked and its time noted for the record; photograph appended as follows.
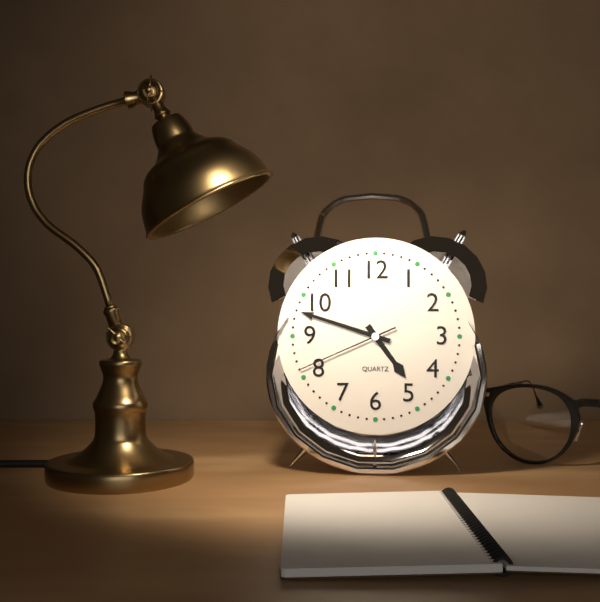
4:48:41
